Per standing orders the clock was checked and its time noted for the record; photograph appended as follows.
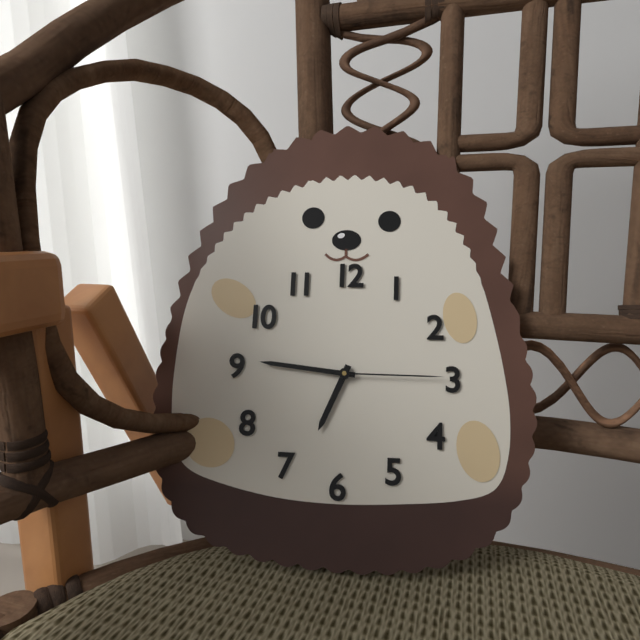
6:46:15
